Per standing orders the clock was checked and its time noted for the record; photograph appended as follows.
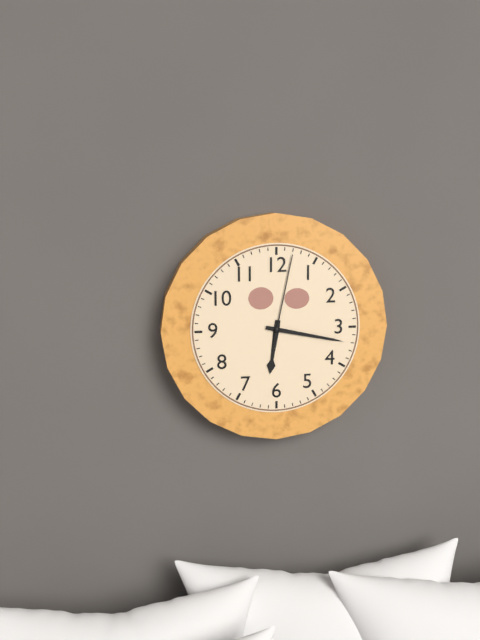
6:17:02
